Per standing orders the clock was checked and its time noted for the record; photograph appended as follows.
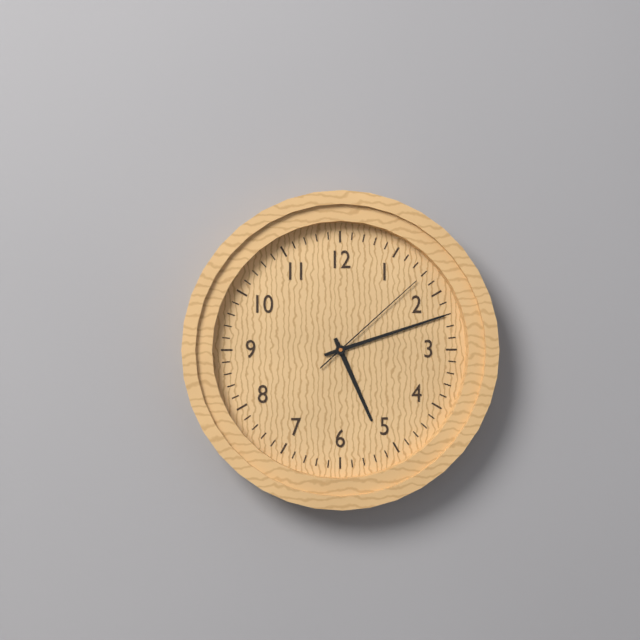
5:12:08
